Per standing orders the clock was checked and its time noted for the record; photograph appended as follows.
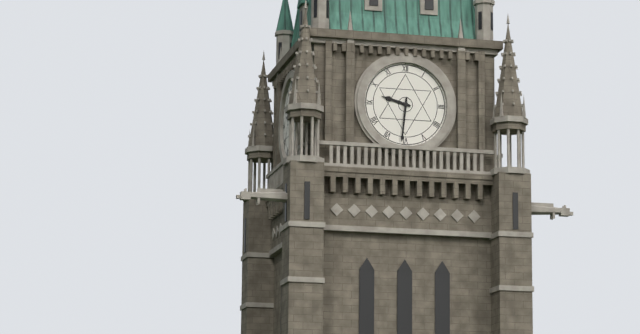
9:31
